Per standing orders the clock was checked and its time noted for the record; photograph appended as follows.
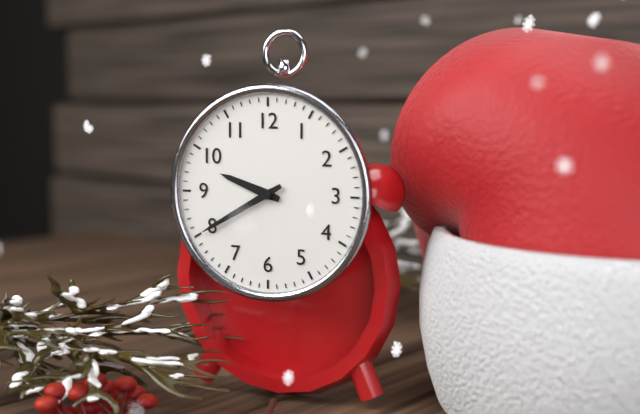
9:40
